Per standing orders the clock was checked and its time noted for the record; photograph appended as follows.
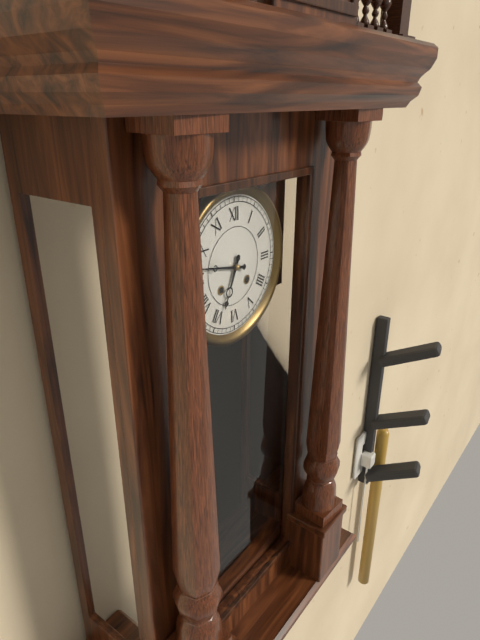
6:47
